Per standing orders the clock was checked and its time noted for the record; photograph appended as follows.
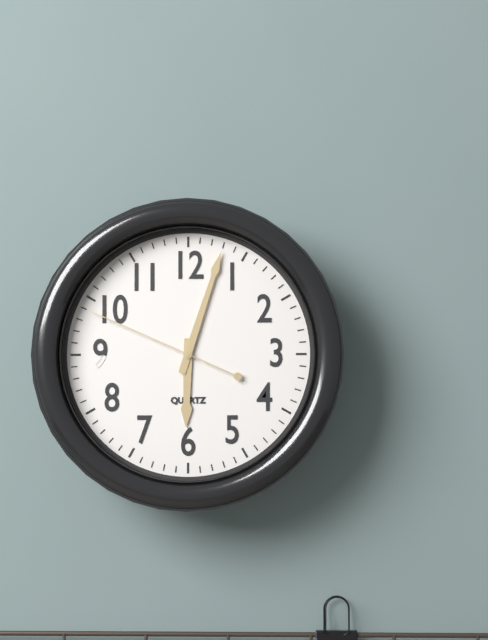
6:03:49
